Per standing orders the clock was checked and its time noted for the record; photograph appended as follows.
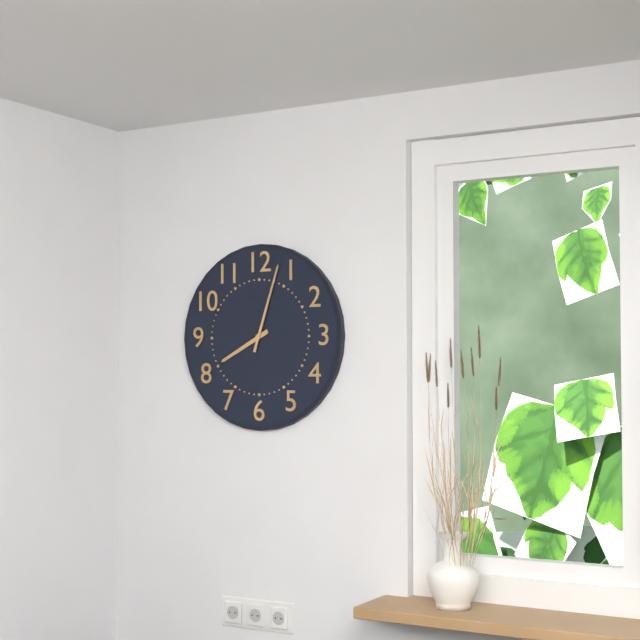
8:03
